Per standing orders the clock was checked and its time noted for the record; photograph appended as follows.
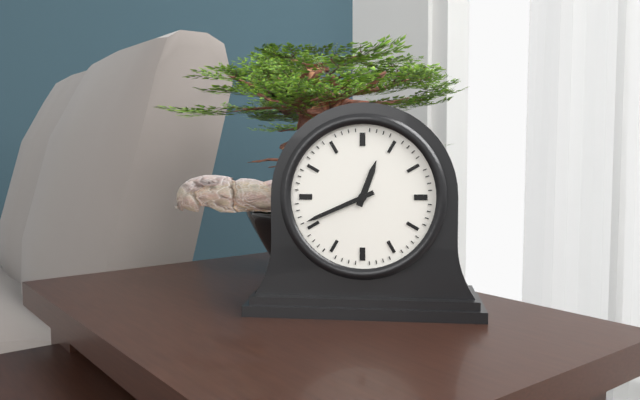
12:41
